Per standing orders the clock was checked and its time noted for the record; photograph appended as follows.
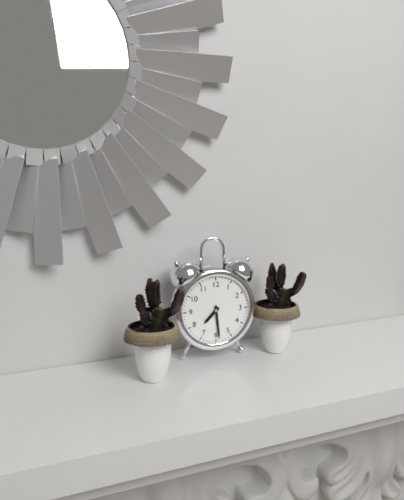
7:29
